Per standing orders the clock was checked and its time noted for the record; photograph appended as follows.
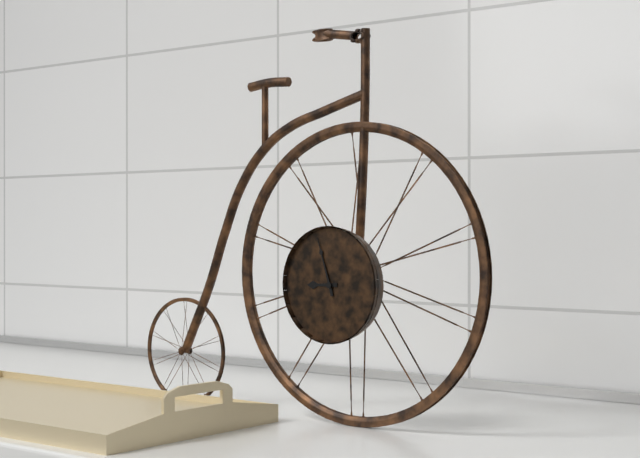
8:57
